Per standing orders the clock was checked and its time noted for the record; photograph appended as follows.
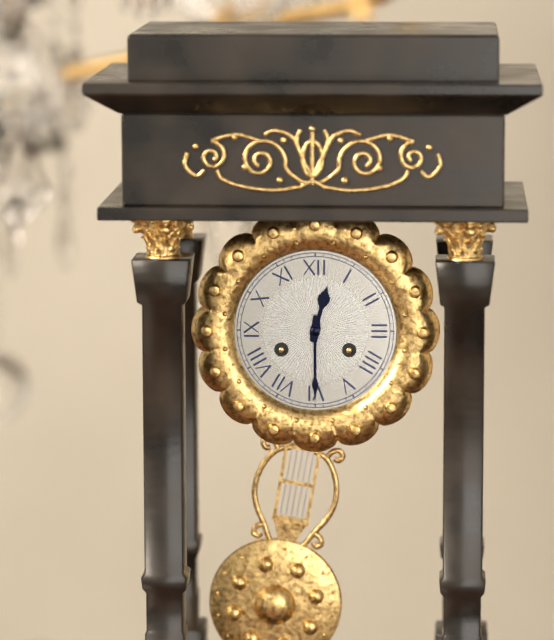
12:30
